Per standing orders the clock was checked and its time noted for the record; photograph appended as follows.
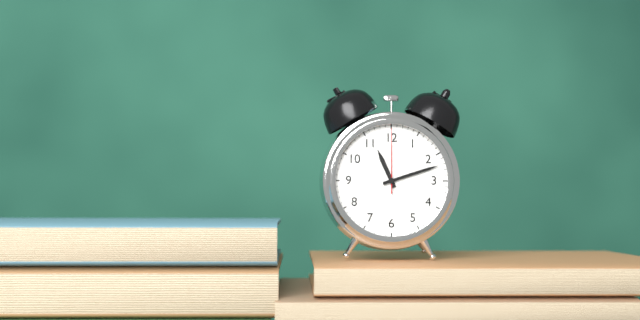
11:12:00
